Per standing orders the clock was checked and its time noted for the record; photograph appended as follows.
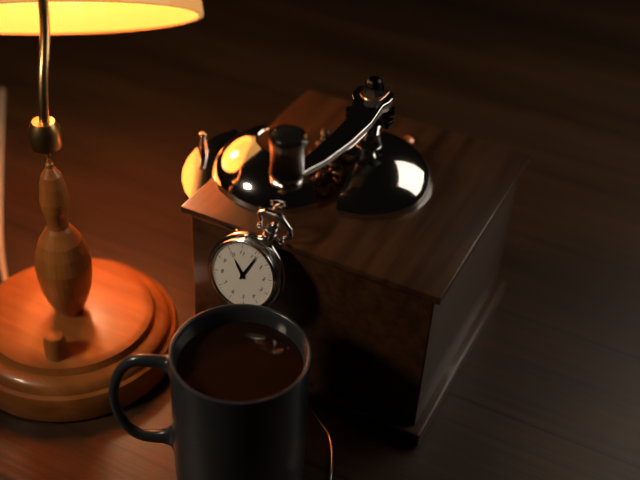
10:01
